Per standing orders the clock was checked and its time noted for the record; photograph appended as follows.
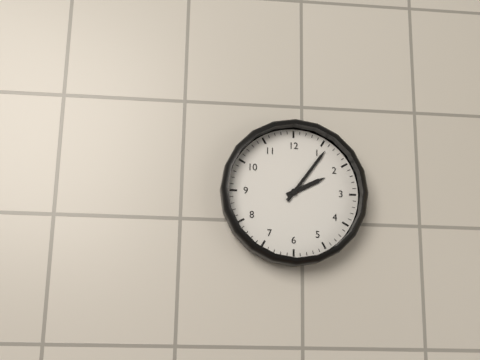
2:06
